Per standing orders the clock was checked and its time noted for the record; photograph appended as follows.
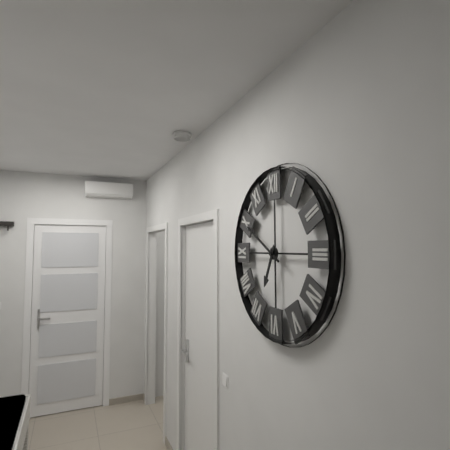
6:50
